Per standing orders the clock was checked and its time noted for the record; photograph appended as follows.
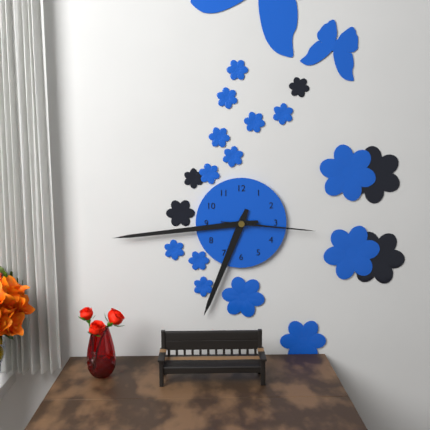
6:44:16
